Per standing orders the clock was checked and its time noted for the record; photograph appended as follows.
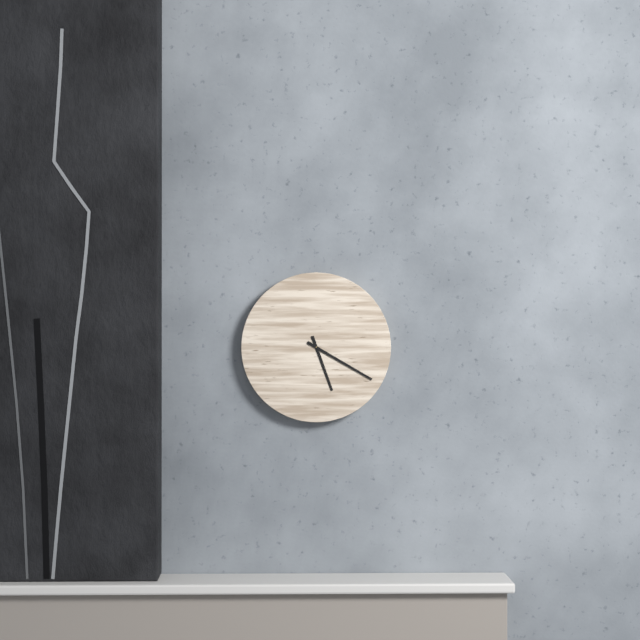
5:20
